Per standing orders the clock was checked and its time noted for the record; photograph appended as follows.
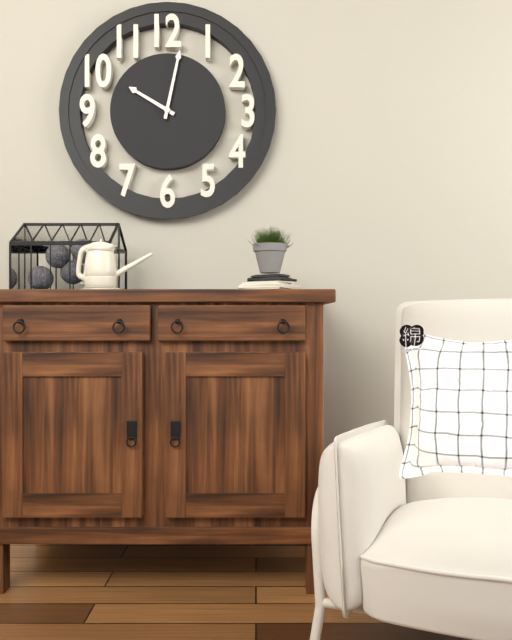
10:02
